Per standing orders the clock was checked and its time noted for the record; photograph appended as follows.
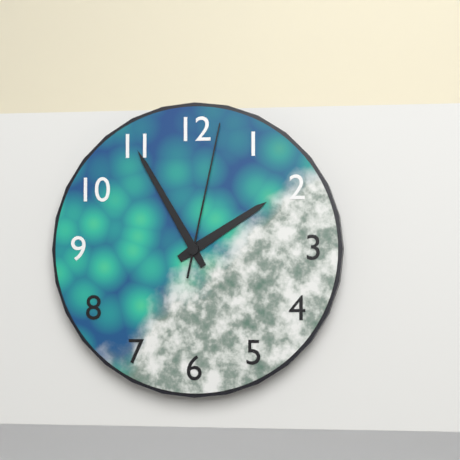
1:55:02
